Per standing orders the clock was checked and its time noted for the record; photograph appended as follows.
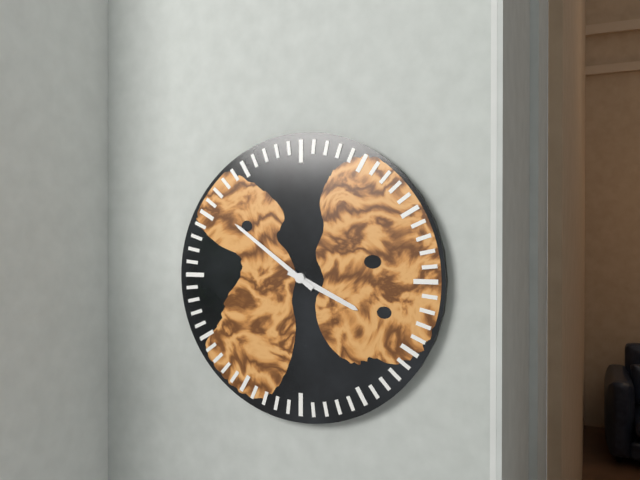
3:51
